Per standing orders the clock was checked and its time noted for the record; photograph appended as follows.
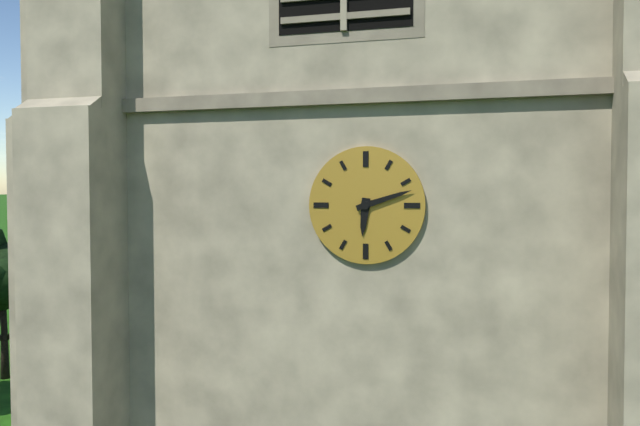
6:12
